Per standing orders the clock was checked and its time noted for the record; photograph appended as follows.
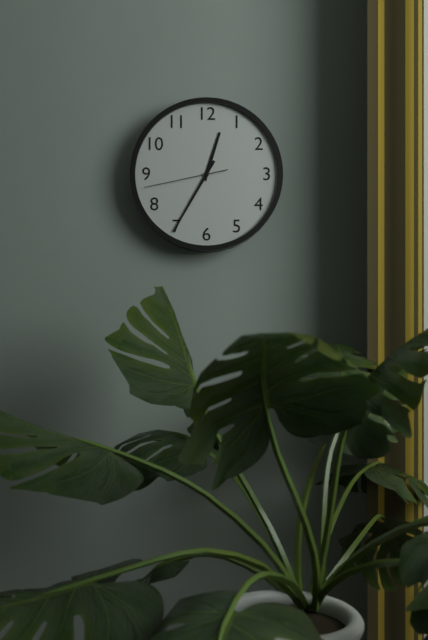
12:35:43
